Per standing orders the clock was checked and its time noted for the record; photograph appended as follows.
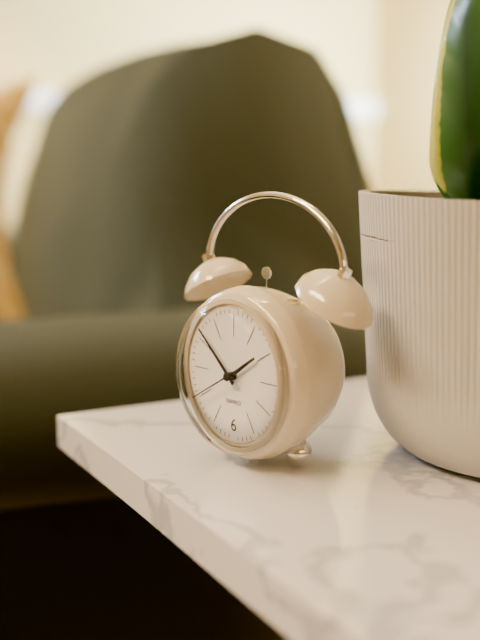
1:52:40
